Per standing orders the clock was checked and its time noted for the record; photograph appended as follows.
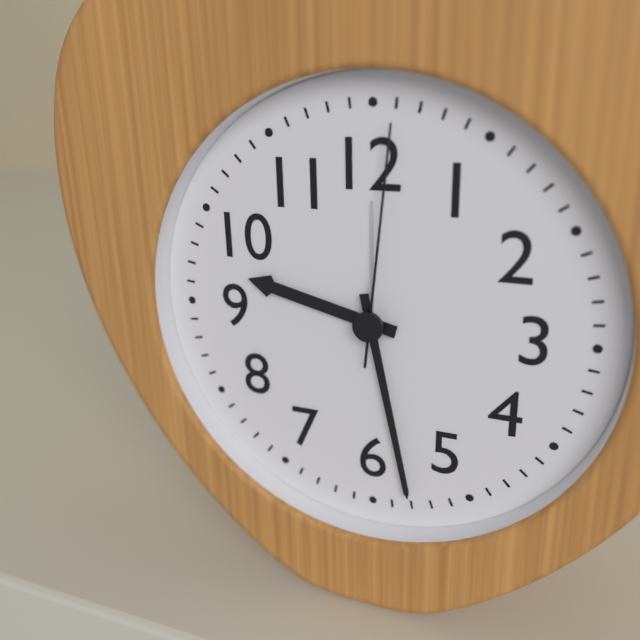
9:28:01
